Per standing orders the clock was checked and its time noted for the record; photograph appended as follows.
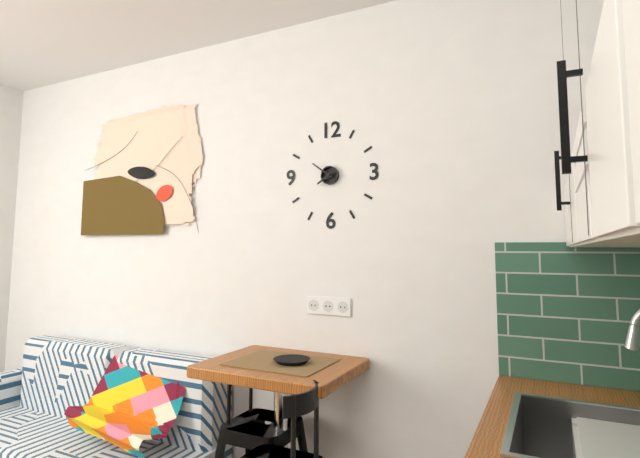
7:51
